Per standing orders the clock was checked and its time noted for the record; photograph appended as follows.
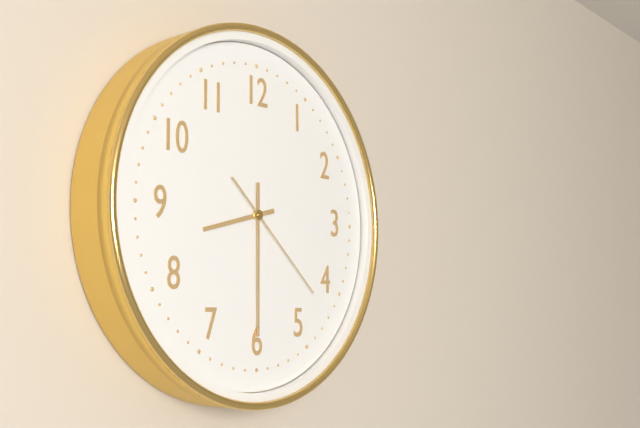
8:30:22
